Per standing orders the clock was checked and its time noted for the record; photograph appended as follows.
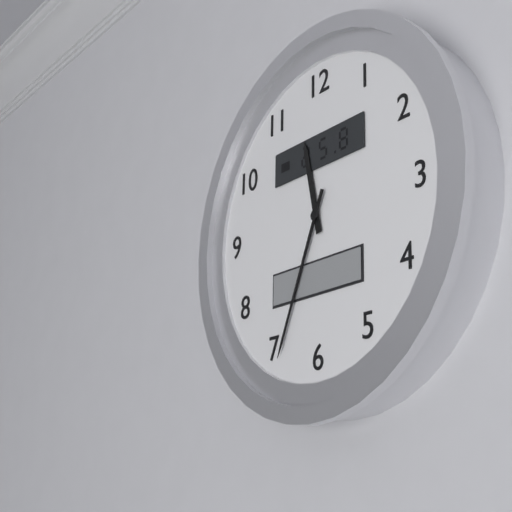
11:34
